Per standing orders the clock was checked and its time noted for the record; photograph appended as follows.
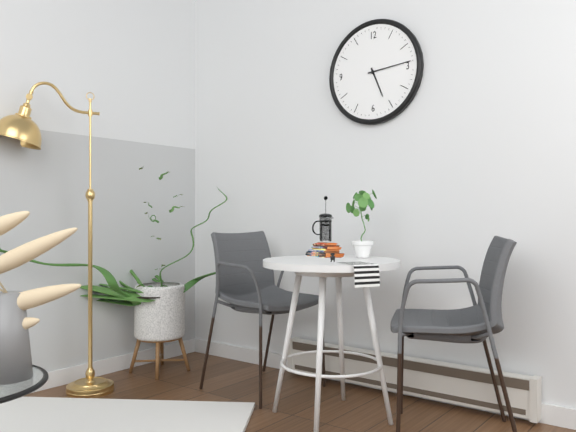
5:14
